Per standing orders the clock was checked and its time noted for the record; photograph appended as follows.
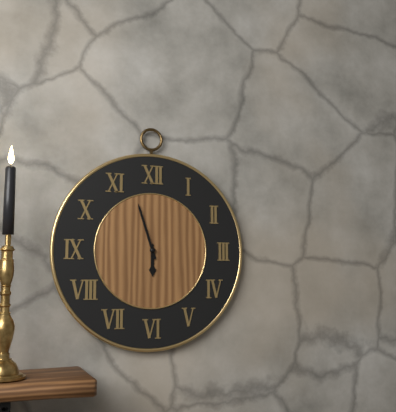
5:57
